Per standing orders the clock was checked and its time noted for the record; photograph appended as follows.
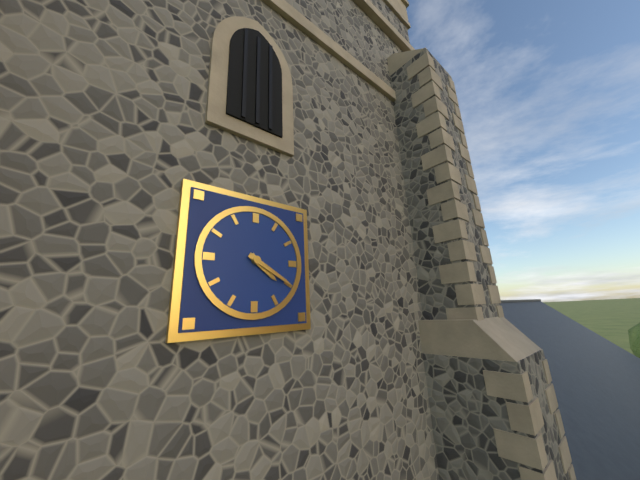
4:20
